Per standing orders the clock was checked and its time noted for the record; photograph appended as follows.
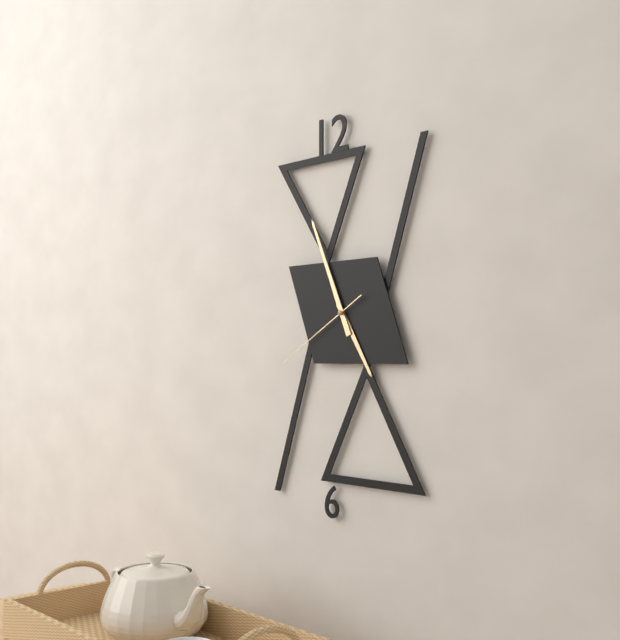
4:56:40
